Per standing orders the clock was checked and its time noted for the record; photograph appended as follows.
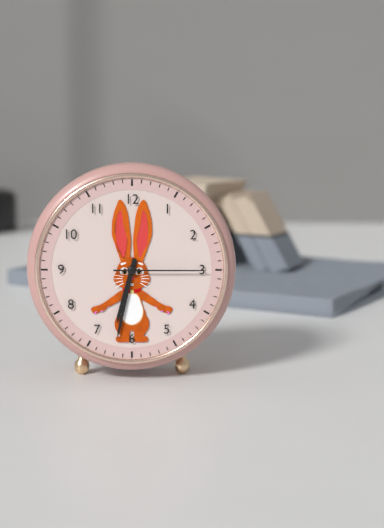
6:32:15
